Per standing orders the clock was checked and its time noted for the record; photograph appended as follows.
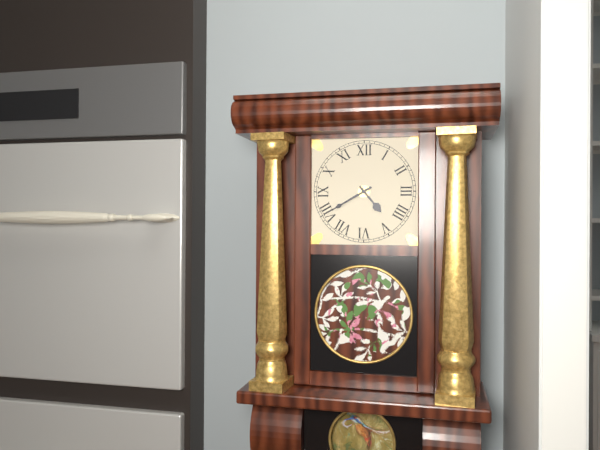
4:40
